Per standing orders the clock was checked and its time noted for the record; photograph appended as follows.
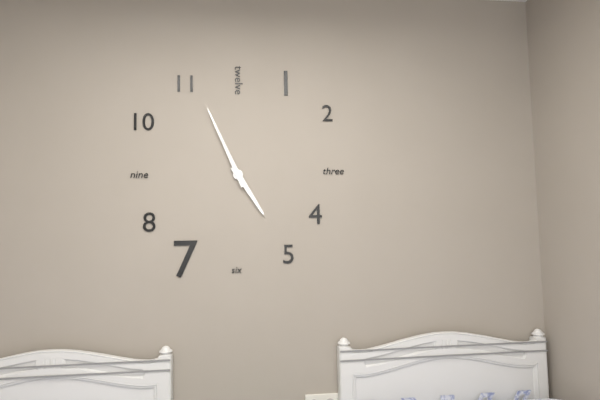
4:56
